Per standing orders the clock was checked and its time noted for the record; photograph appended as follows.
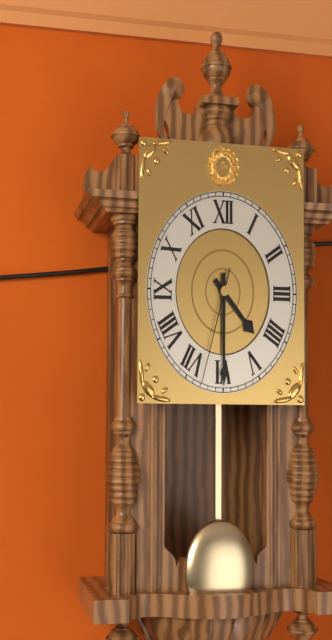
4:30:33
